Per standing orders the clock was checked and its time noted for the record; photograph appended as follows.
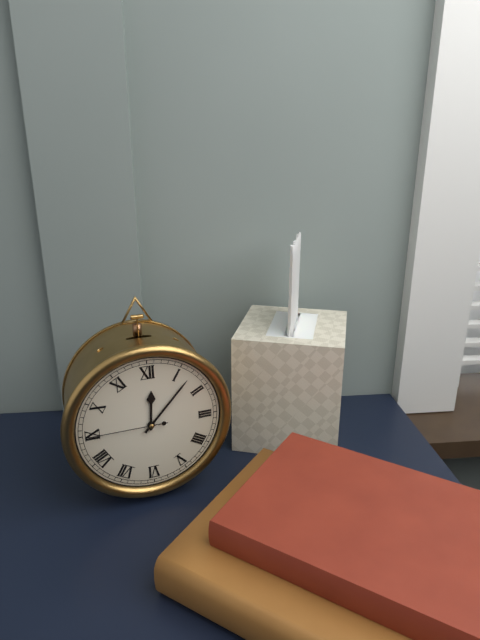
12:07:45
